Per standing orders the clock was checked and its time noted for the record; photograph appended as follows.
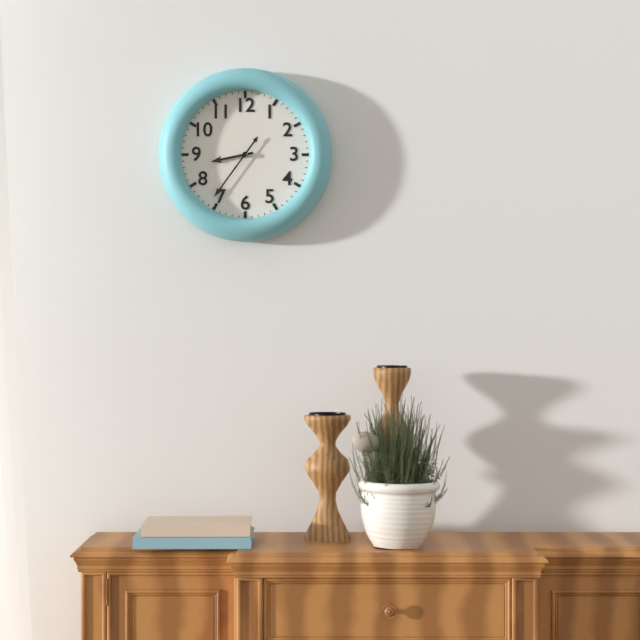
8:36
